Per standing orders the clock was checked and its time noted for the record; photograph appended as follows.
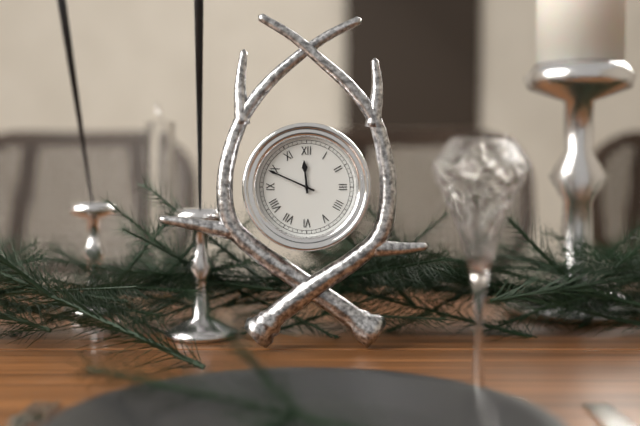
11:49
